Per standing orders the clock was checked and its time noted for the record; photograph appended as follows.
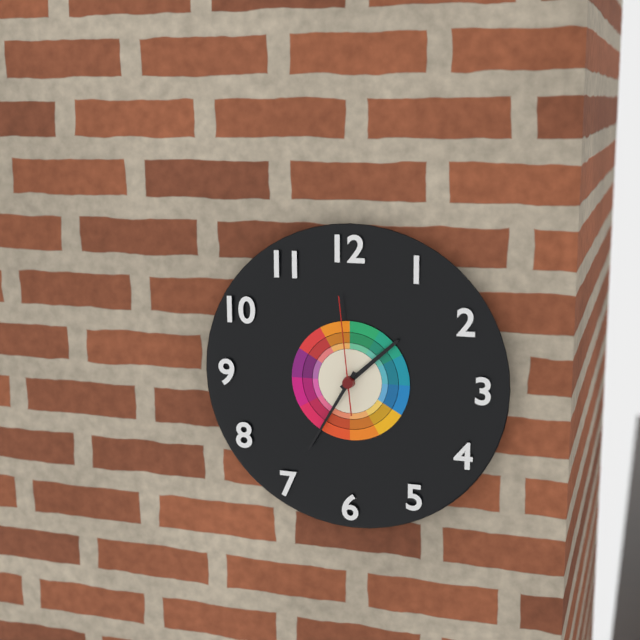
1:35:59
